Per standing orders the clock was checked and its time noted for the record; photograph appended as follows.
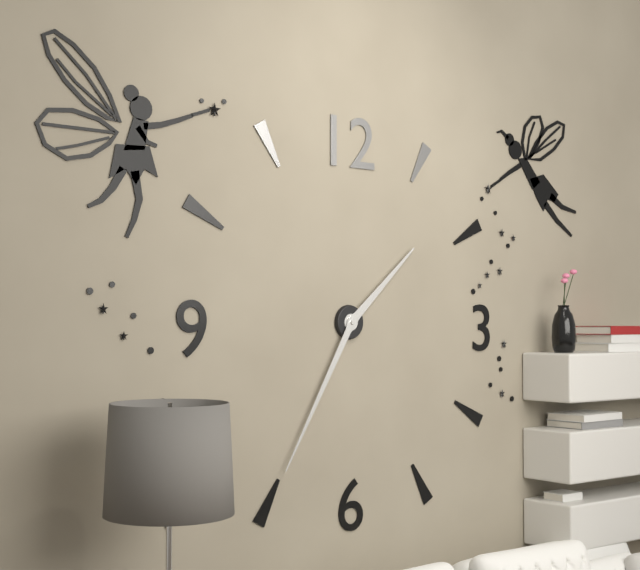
1:35
